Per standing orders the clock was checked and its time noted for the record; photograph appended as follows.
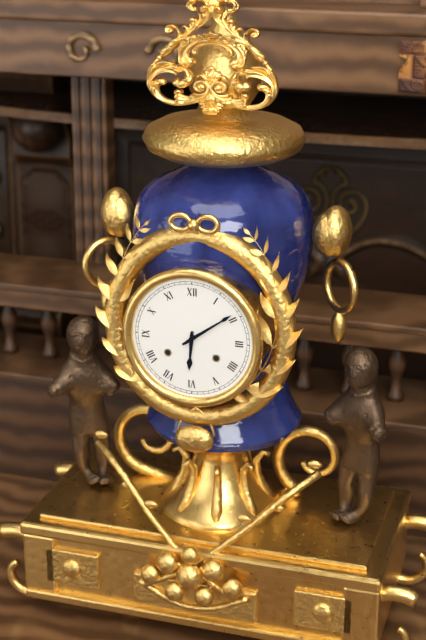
6:09
